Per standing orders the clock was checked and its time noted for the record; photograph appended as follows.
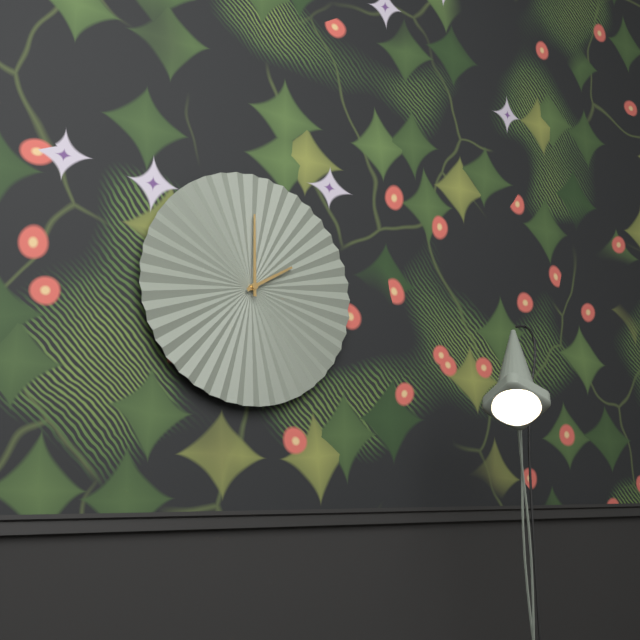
2:00
